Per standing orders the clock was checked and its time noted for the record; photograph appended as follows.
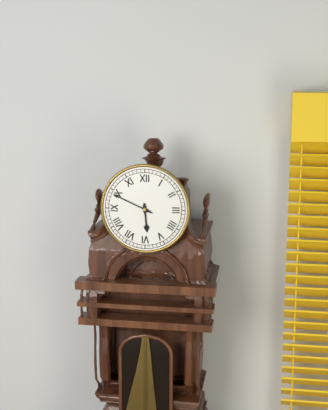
5:49
